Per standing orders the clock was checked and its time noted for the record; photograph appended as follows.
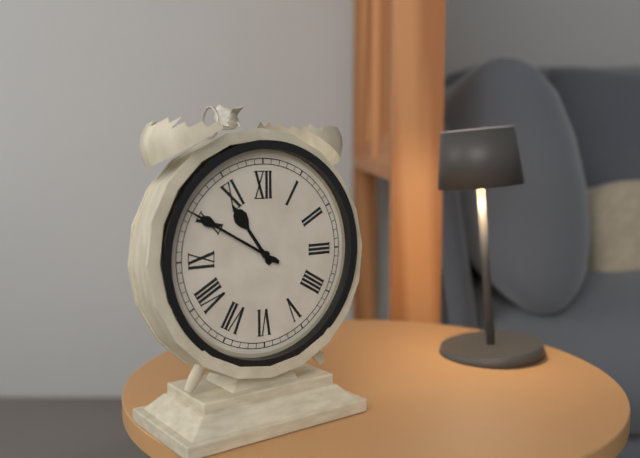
10:50
